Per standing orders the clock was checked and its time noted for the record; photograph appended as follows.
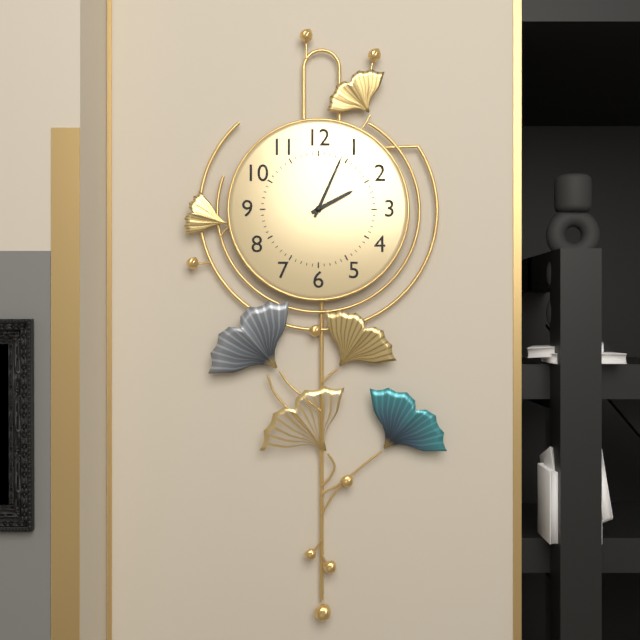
2:04
